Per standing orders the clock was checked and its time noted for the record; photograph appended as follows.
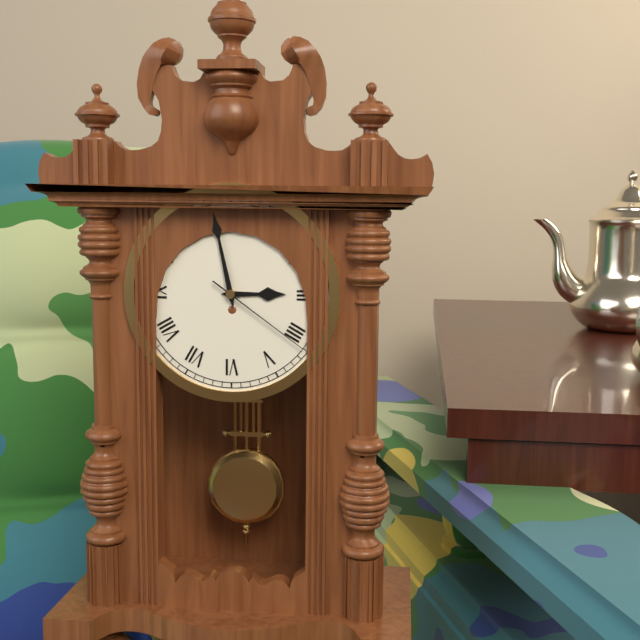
2:58:21
